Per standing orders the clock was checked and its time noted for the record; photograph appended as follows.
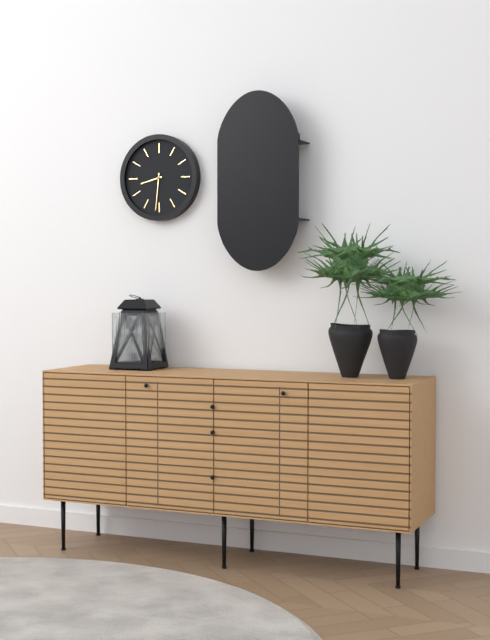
8:31
